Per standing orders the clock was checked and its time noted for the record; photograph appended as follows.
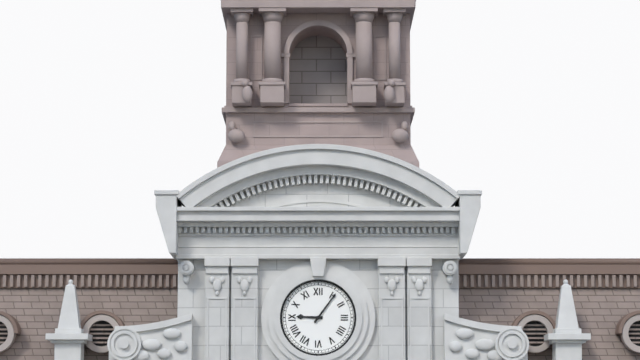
9:06
